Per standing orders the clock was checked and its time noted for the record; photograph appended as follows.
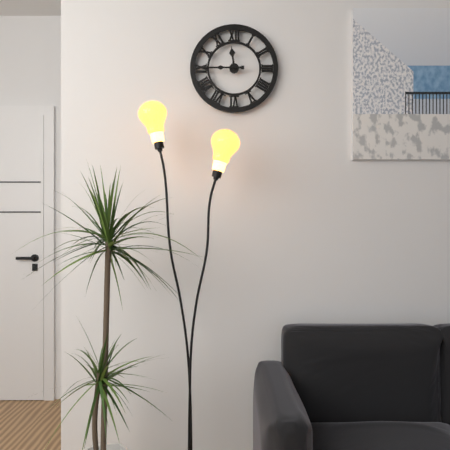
11:45
